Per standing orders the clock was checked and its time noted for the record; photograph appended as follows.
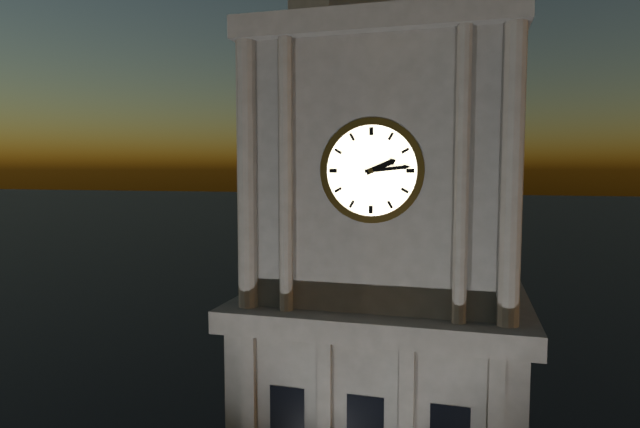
2:14
